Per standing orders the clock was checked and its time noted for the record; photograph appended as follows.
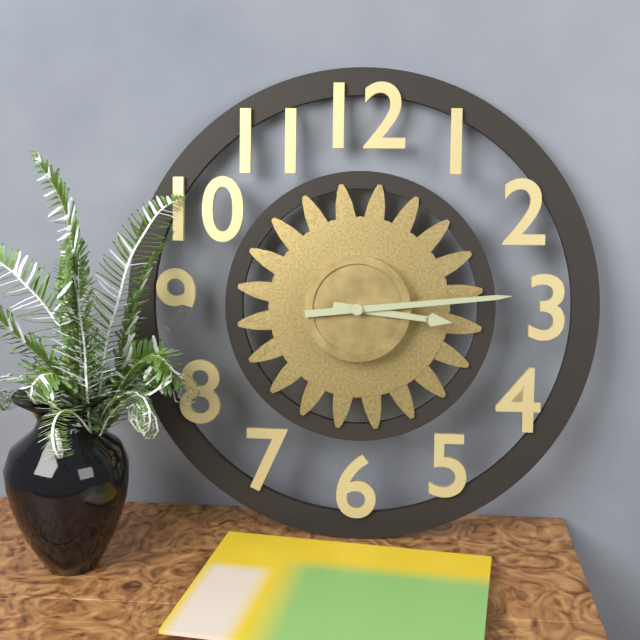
3:14
